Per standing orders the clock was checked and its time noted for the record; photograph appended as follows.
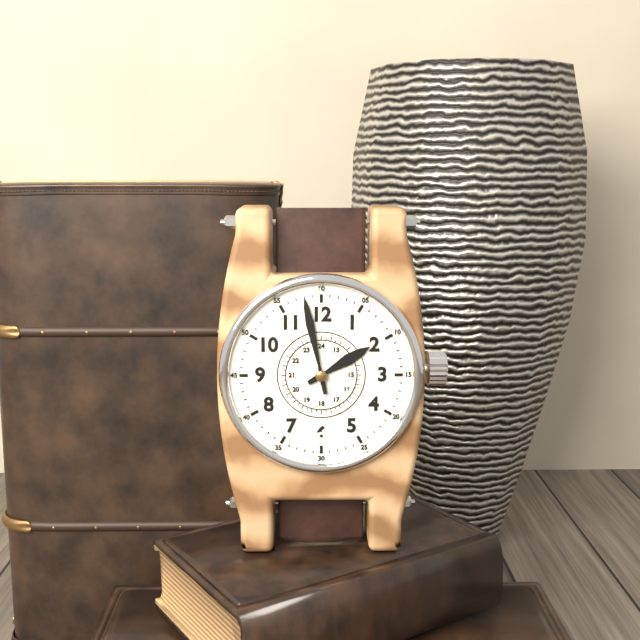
1:58
